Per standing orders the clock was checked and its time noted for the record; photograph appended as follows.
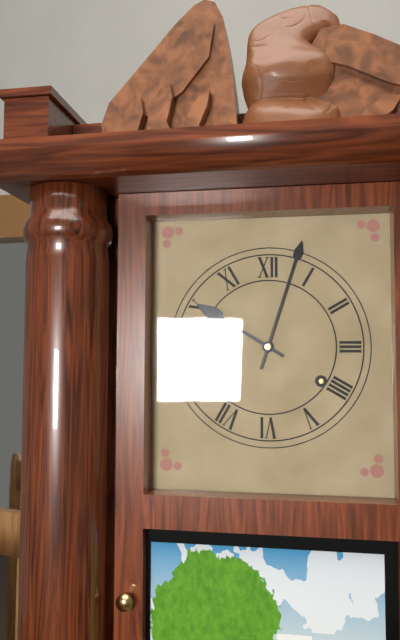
10:03
